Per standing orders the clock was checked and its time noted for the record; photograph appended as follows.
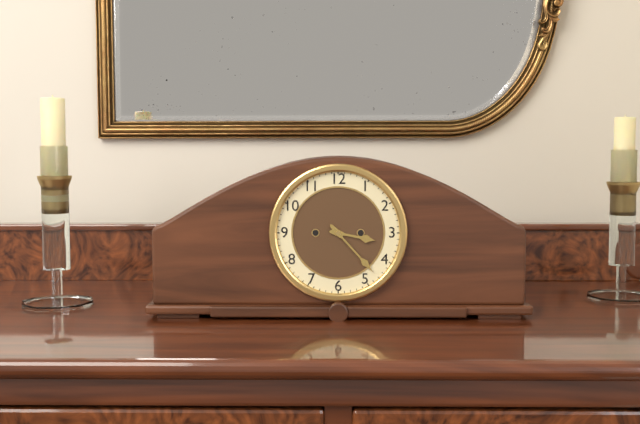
3:23
